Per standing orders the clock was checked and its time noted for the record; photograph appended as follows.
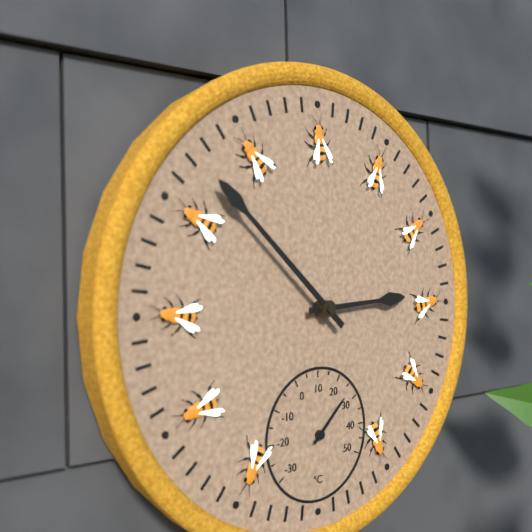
2:52
